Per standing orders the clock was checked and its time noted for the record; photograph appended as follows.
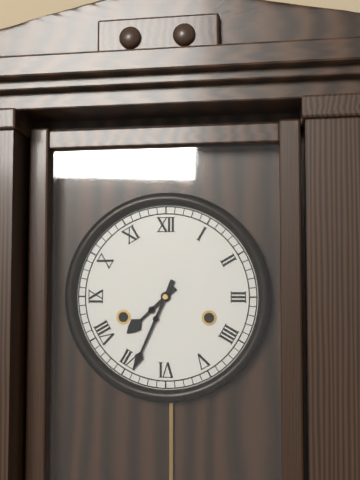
7:34
